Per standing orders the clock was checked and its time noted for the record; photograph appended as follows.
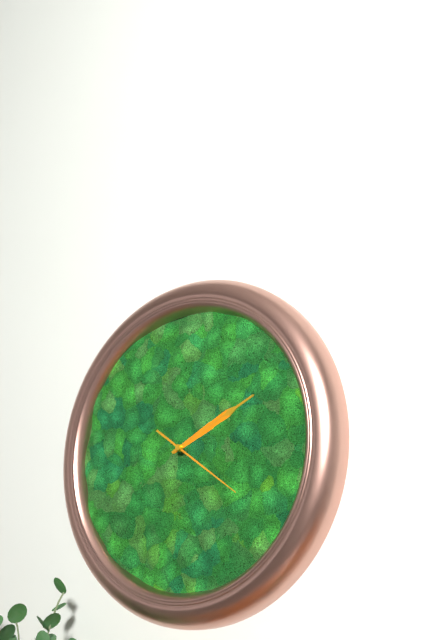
2:11:21
